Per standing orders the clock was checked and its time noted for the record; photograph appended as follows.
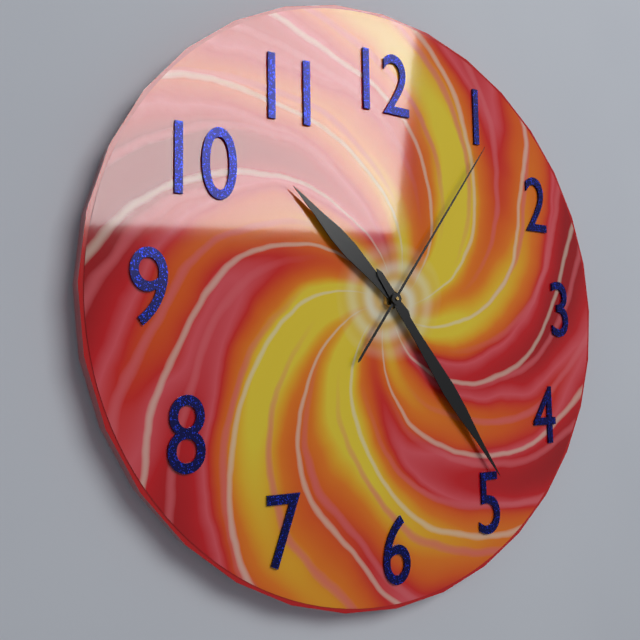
10:24:06
